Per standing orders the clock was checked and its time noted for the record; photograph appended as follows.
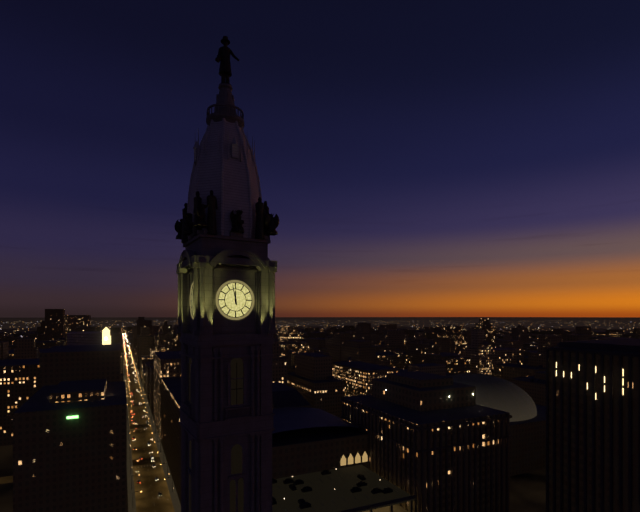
11:58
